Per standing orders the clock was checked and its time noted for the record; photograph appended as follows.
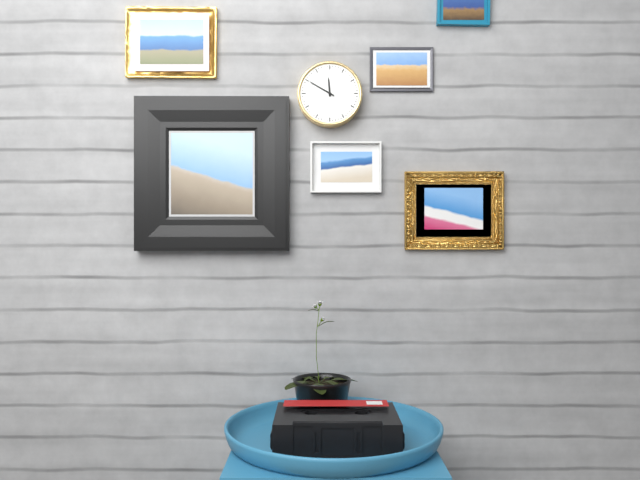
11:50
